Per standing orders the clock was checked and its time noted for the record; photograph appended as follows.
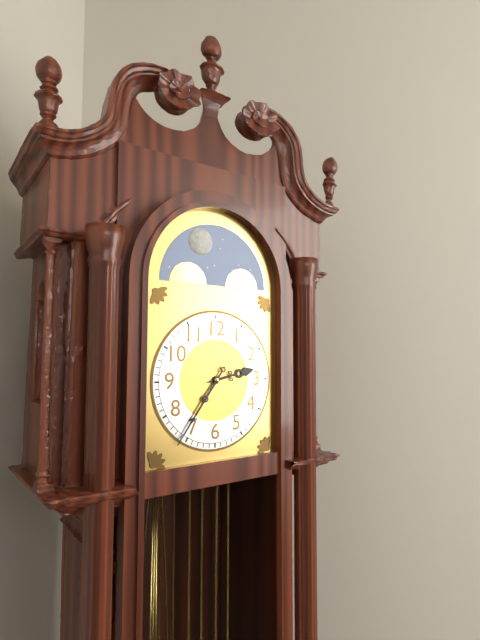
2:36
